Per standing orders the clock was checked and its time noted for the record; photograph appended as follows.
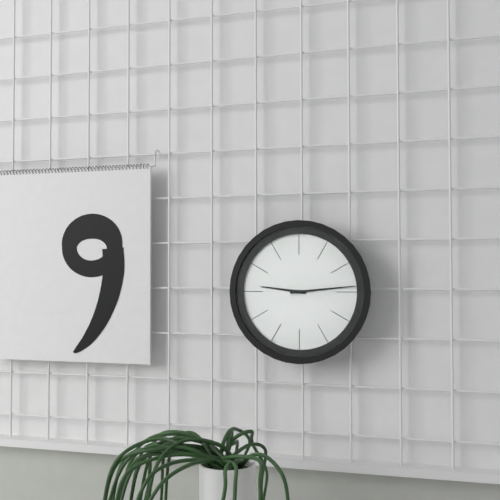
9:14
